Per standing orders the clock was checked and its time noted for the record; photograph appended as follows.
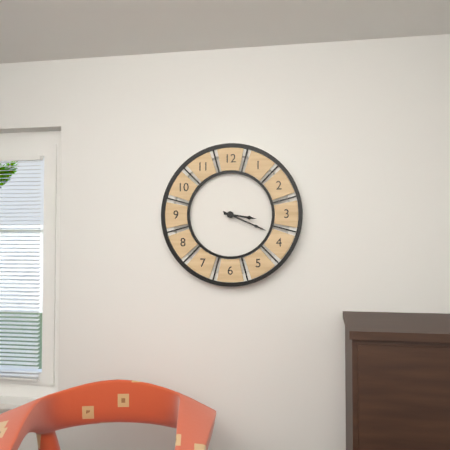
3:19
